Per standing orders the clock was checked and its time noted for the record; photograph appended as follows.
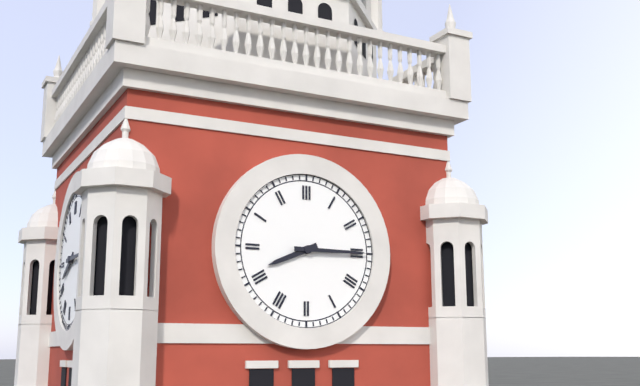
8:15
